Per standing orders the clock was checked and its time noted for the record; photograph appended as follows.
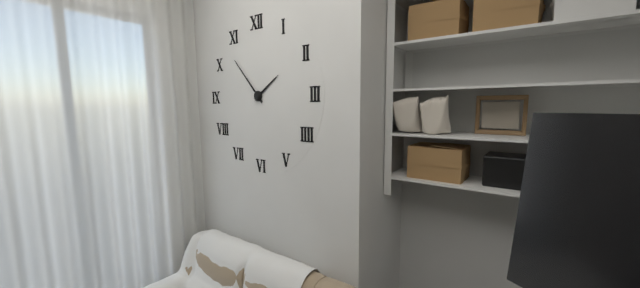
1:53
